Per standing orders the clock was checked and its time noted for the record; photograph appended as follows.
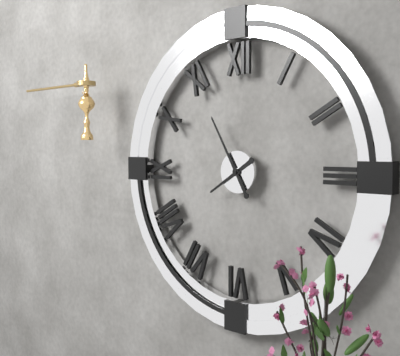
7:55
